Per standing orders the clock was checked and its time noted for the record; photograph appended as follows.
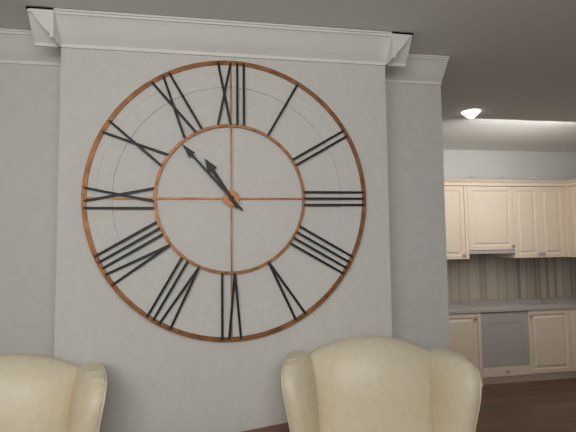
10:53
